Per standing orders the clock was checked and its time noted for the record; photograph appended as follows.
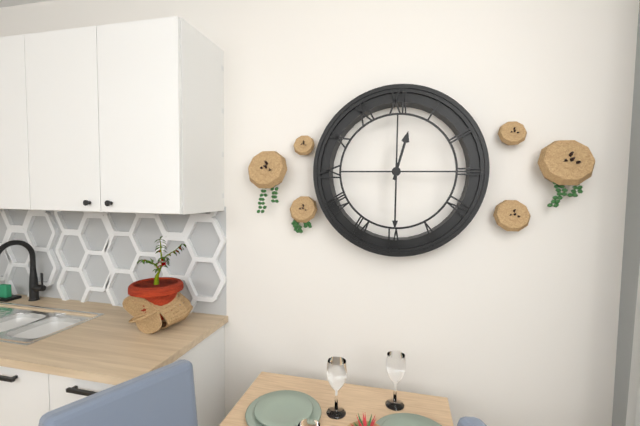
12:30
